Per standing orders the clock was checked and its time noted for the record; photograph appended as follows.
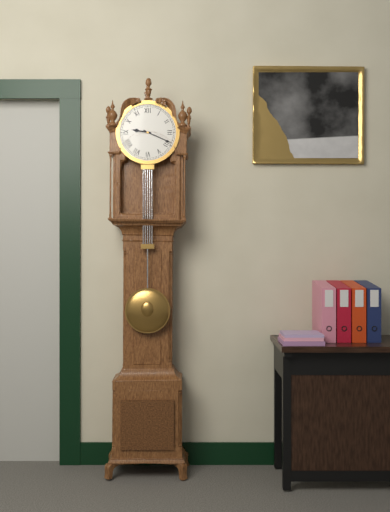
9:19
